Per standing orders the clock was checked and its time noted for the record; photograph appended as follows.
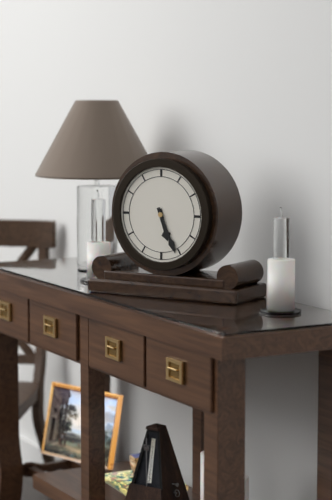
5:26
